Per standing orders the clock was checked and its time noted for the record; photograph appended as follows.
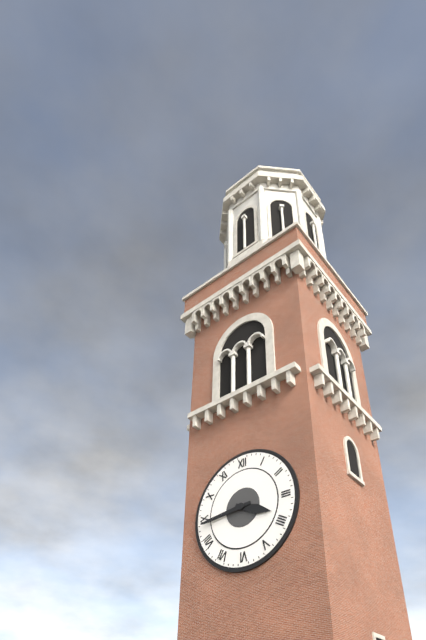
3:44
